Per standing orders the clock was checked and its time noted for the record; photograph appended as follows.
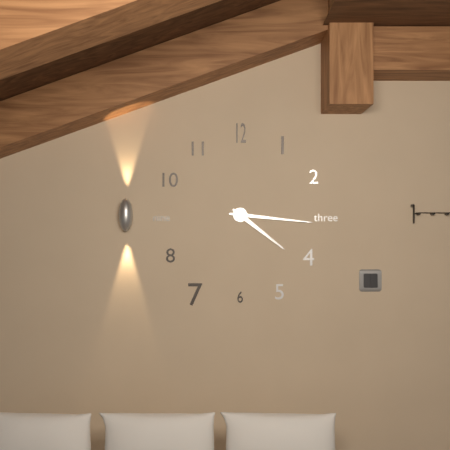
4:16
